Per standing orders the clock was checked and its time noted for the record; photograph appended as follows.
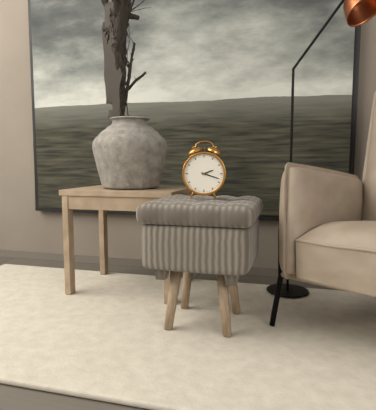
2:18
